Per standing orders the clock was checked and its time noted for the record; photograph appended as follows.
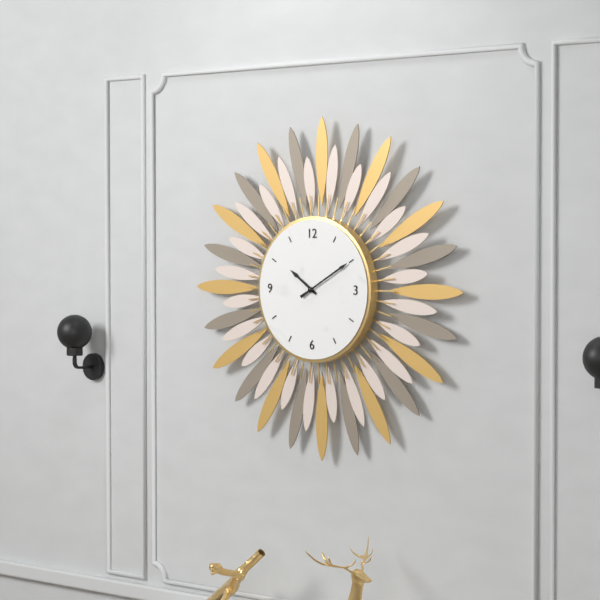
10:10
